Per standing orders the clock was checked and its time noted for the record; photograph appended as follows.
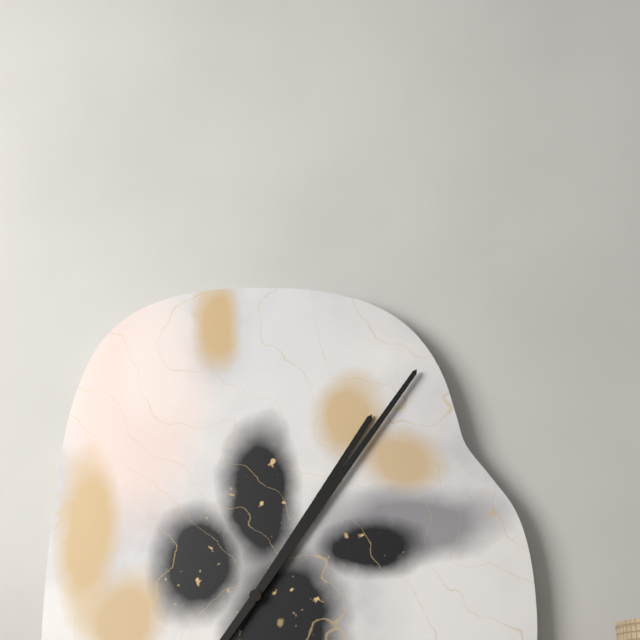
1:06
